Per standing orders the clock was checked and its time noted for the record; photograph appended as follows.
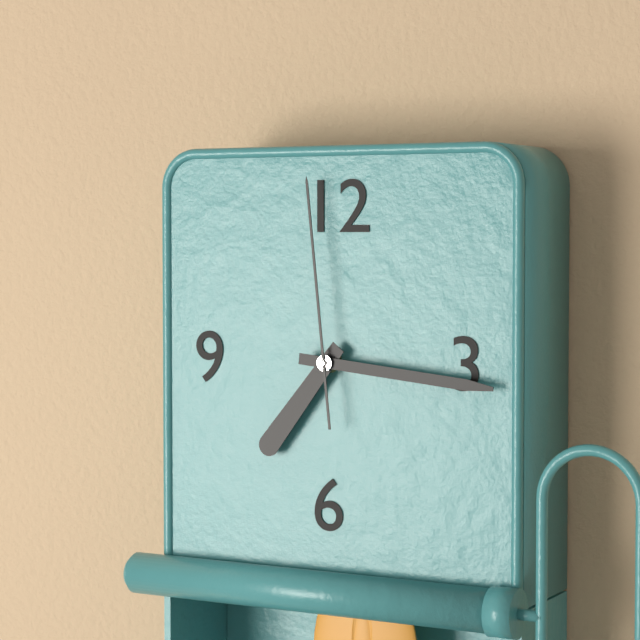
7:16:59
